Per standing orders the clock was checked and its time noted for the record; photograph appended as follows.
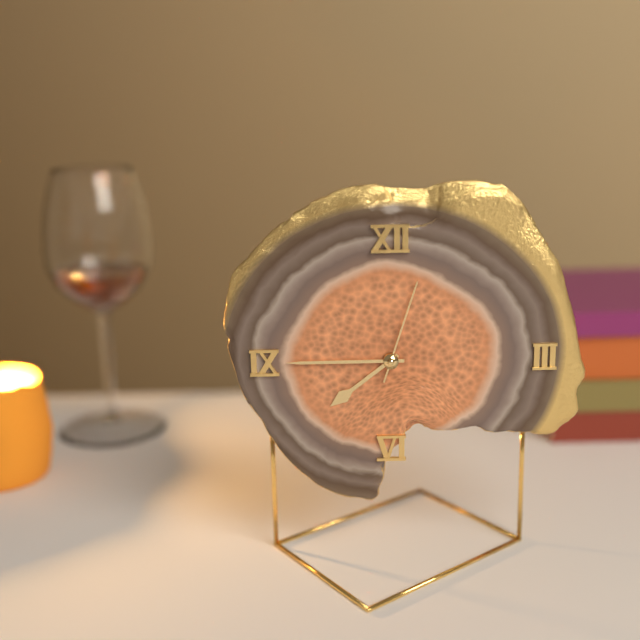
7:45:03
